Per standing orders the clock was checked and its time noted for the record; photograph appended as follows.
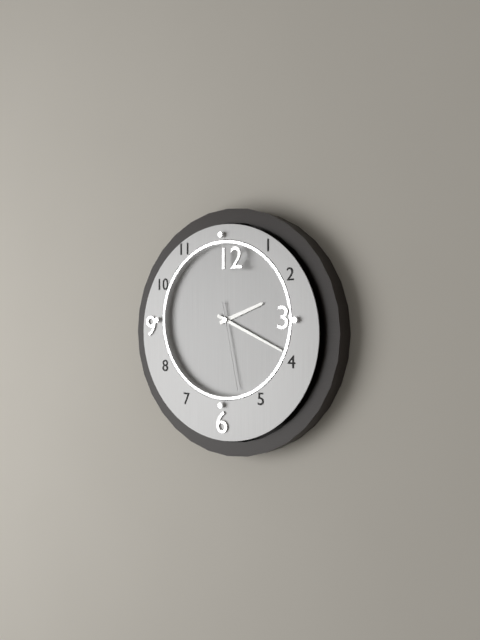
2:19:28
